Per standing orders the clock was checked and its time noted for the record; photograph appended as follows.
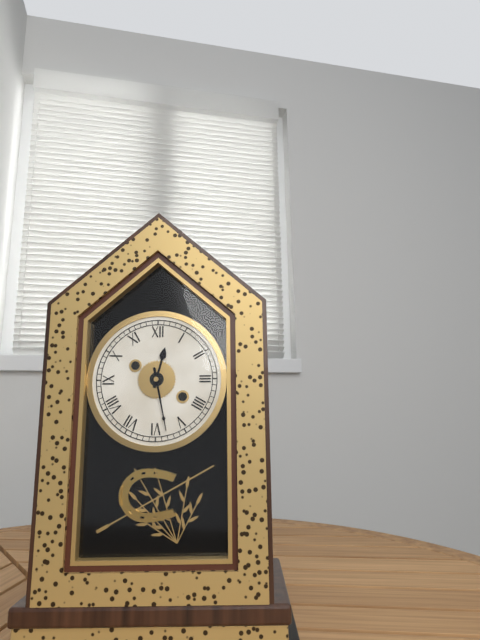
12:28
